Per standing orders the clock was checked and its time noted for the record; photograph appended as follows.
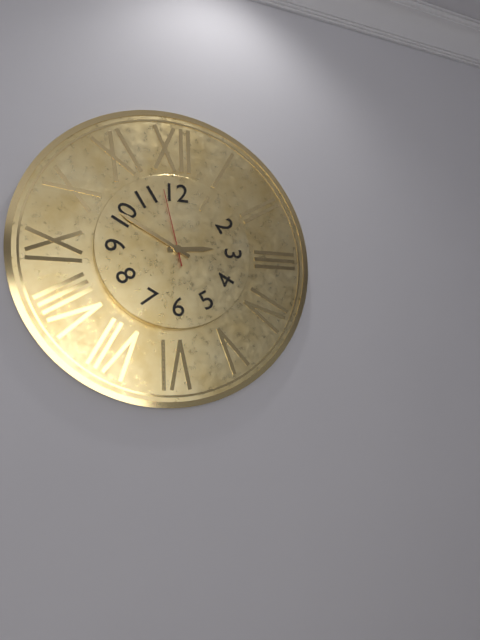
2:50:58
